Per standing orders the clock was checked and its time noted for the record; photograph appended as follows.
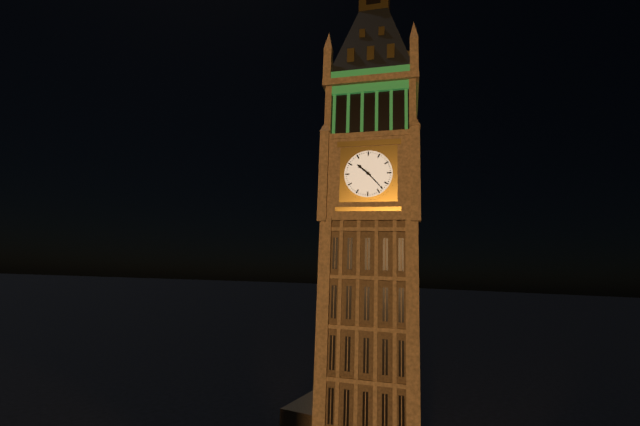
10:23
